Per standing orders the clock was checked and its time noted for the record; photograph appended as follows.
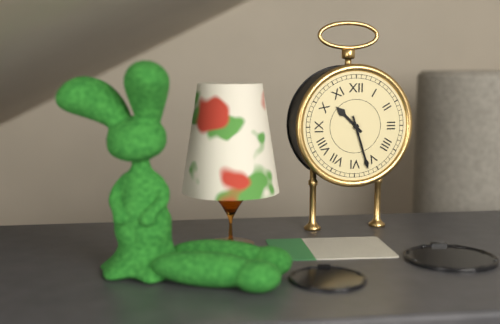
10:27
